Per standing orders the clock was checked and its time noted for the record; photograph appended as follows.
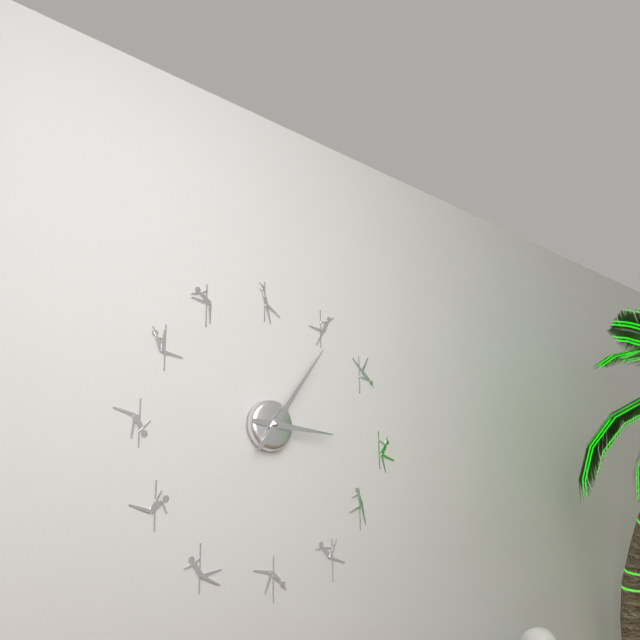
3:06
